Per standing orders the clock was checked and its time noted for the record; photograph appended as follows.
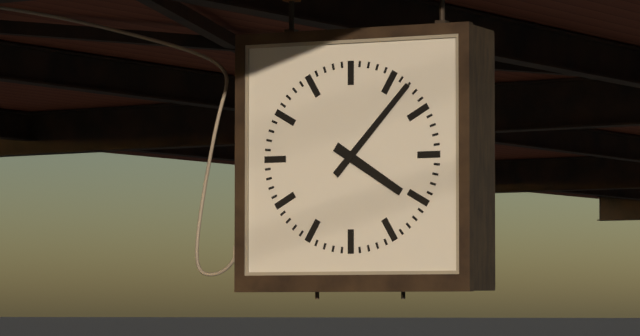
4:07
